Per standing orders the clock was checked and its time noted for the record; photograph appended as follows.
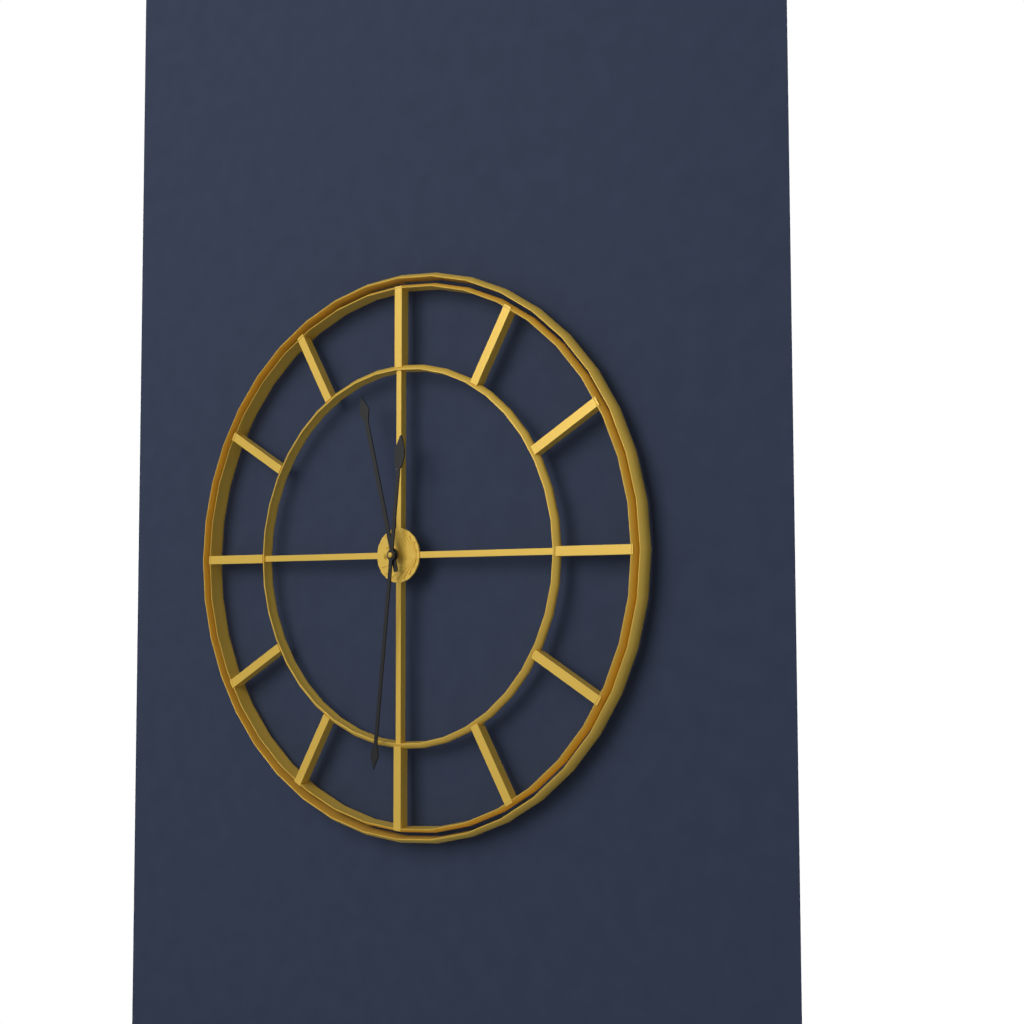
11:31
